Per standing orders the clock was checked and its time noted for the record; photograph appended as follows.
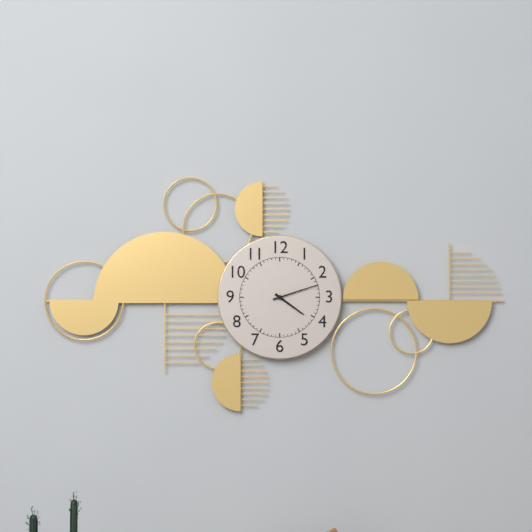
4:12
